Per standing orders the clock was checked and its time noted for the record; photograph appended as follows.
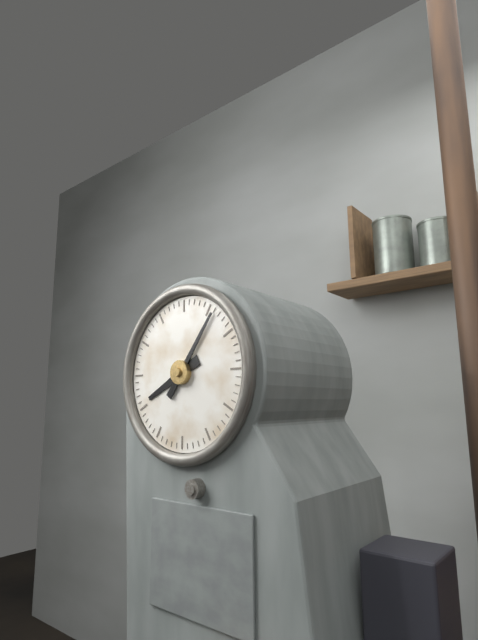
8:06
